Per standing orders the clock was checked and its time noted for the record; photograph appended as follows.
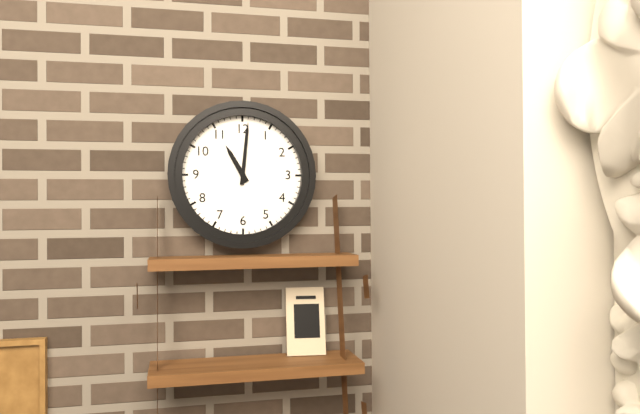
11:01
